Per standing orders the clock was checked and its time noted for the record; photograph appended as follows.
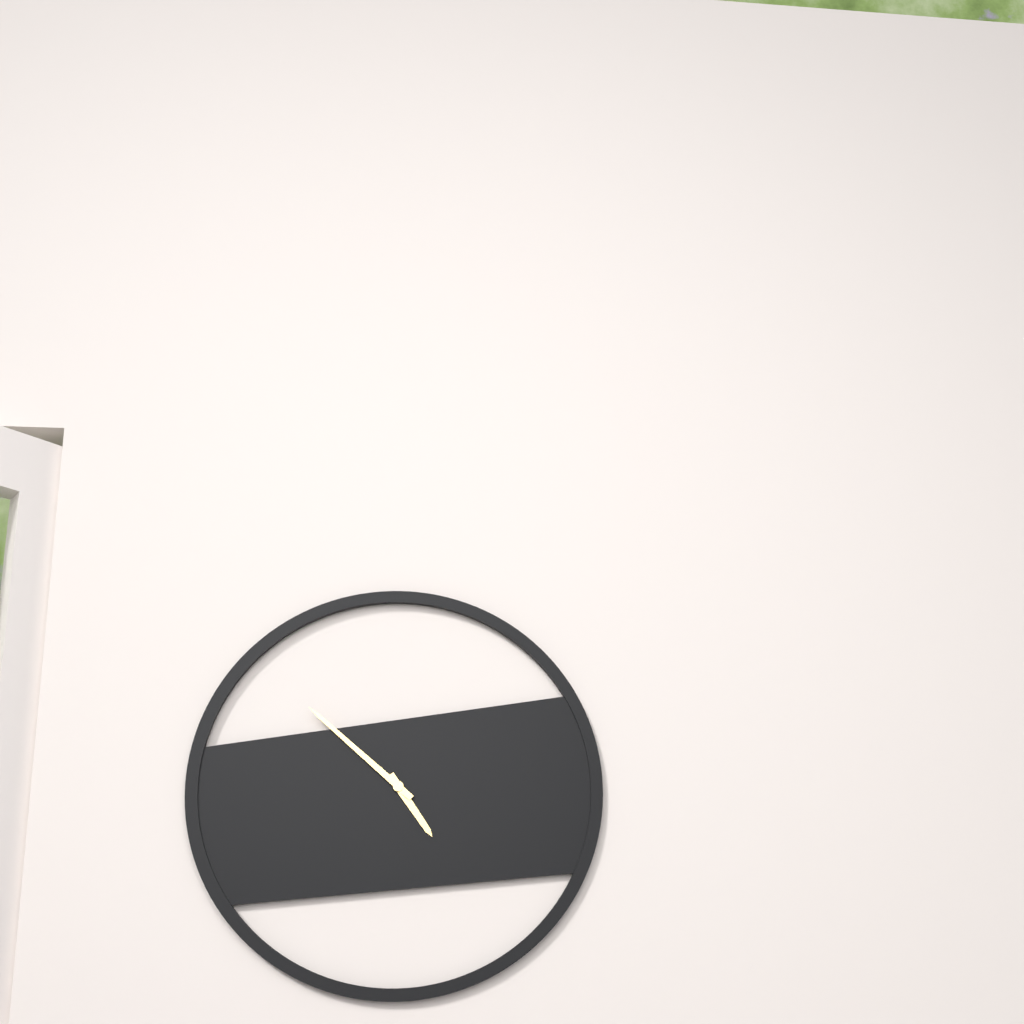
4:52
